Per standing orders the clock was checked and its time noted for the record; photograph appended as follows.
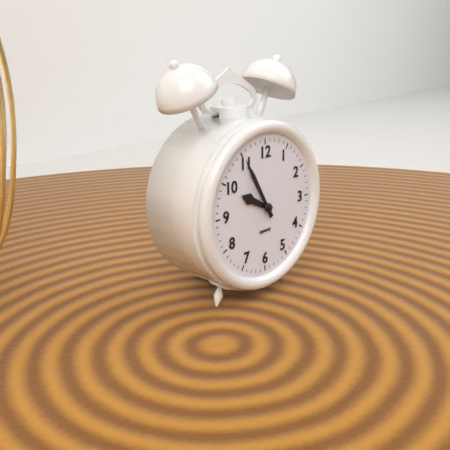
9:55
